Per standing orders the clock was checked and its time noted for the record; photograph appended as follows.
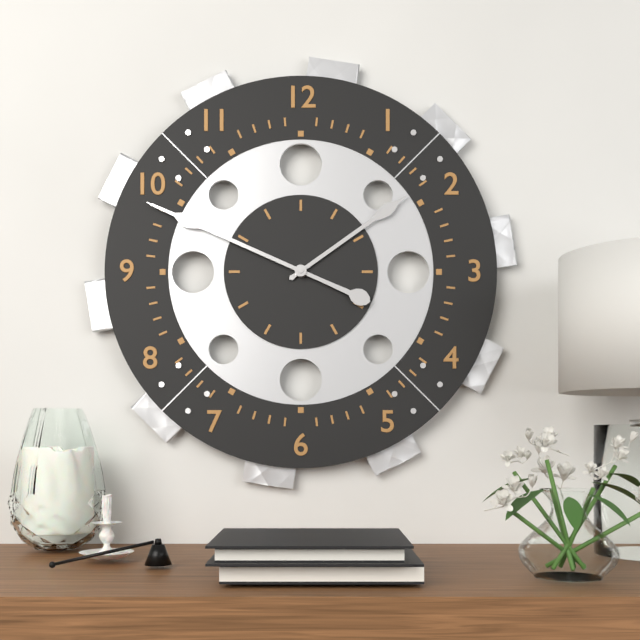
1:49
